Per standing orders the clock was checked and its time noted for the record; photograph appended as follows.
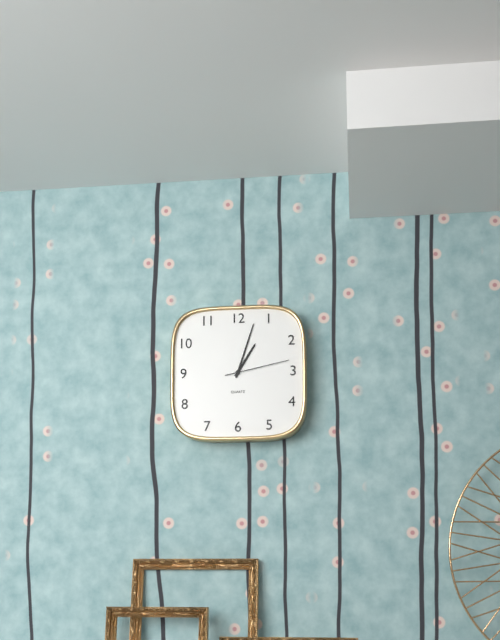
1:03:13
